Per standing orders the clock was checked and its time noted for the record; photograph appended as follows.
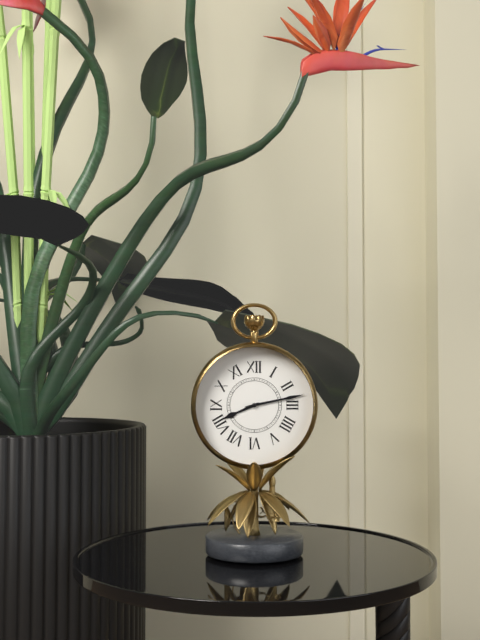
8:13
